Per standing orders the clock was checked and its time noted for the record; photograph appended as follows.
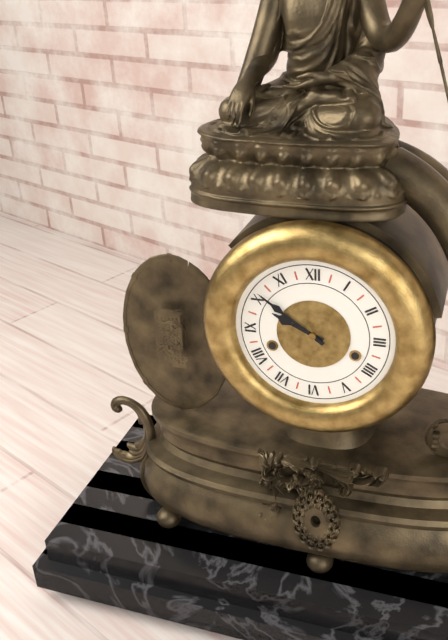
9:51
